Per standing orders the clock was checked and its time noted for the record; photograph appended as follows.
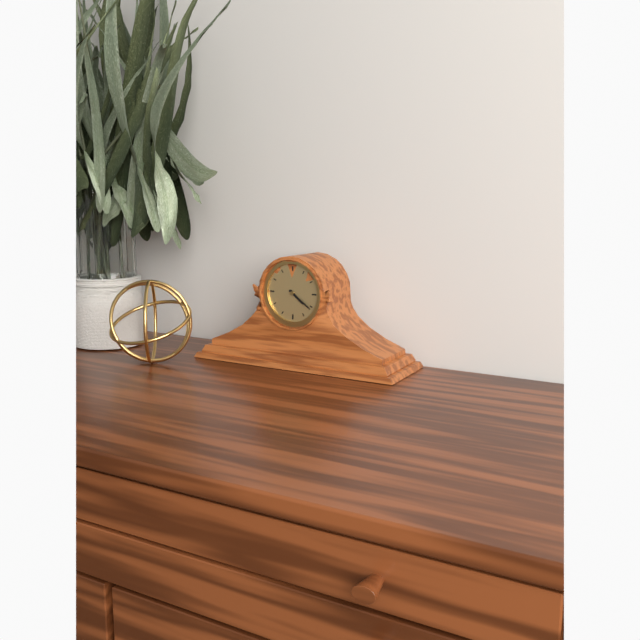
4:21
